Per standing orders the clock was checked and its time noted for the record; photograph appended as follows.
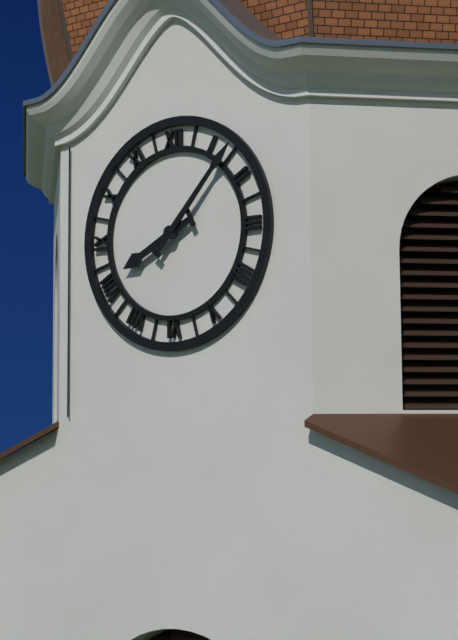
8:07
